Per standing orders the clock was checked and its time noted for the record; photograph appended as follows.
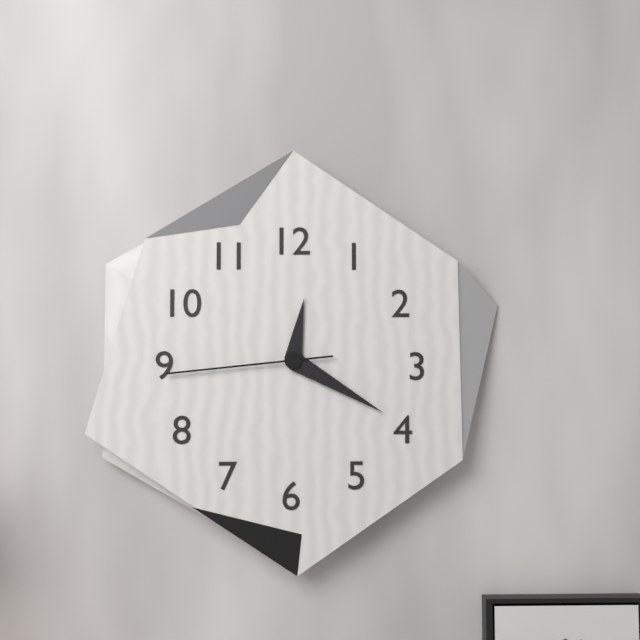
12:20:44
